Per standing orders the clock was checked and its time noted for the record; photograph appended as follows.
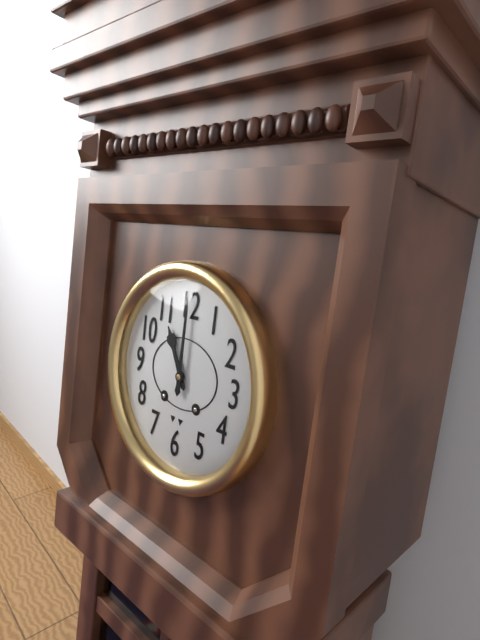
11:00
